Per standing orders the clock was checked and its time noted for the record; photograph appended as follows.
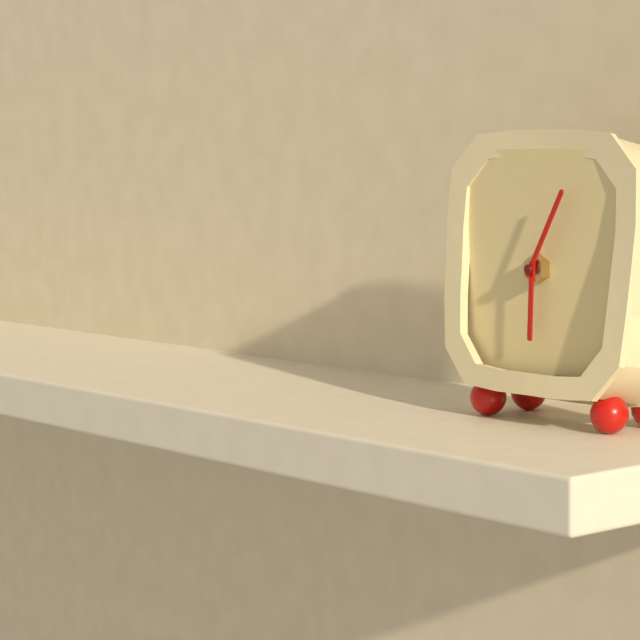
6:05
